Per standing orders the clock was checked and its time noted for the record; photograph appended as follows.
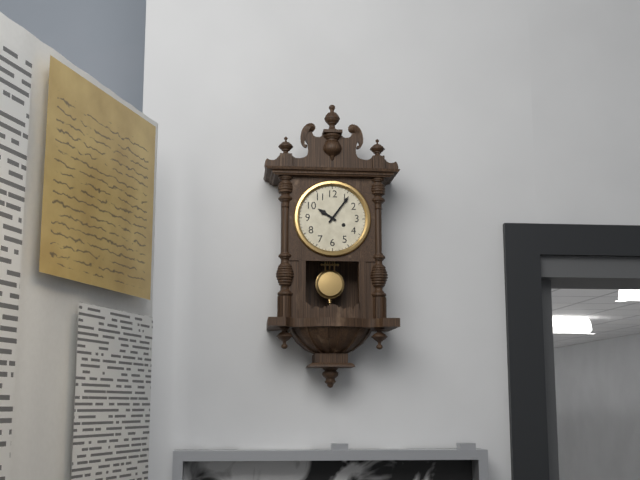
10:06
